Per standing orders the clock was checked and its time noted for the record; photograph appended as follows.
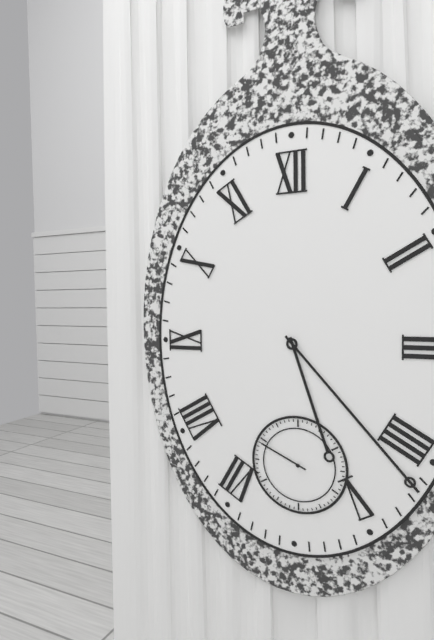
5:23:49
